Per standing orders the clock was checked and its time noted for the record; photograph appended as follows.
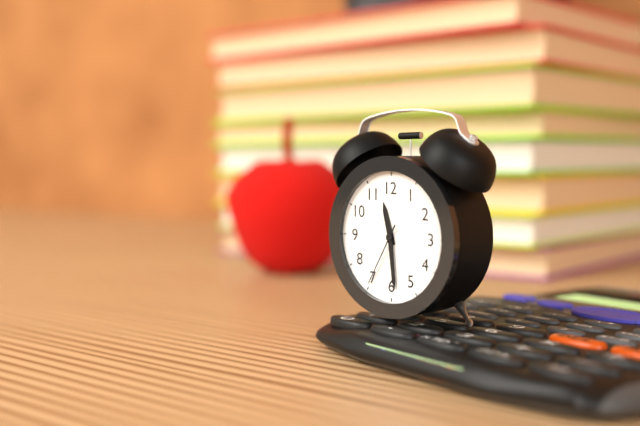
11:29:35
